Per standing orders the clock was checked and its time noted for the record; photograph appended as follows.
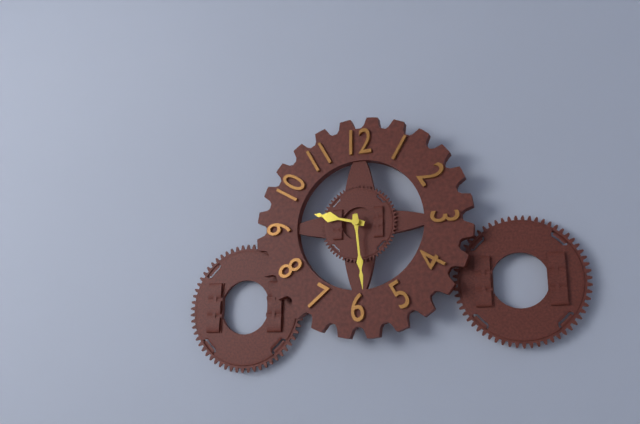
9:29
